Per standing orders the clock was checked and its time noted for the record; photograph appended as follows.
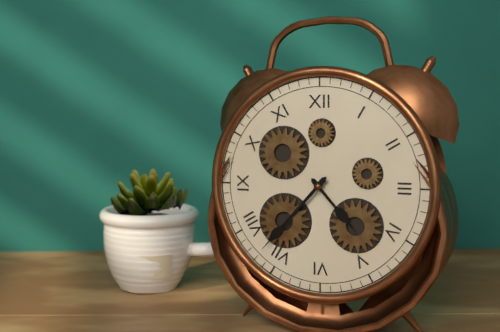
4:37
